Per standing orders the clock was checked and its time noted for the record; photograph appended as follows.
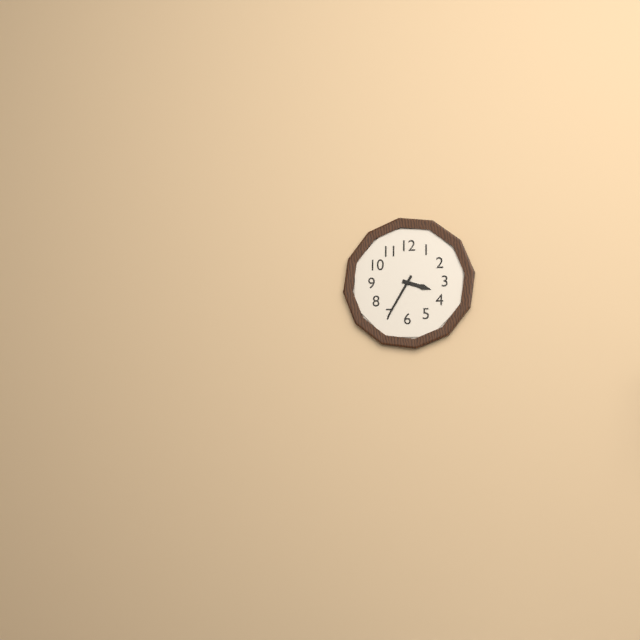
3:35
